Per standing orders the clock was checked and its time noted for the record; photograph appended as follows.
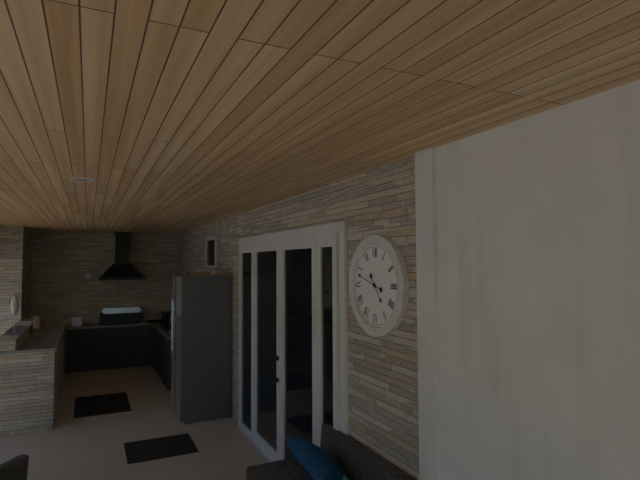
4:48
